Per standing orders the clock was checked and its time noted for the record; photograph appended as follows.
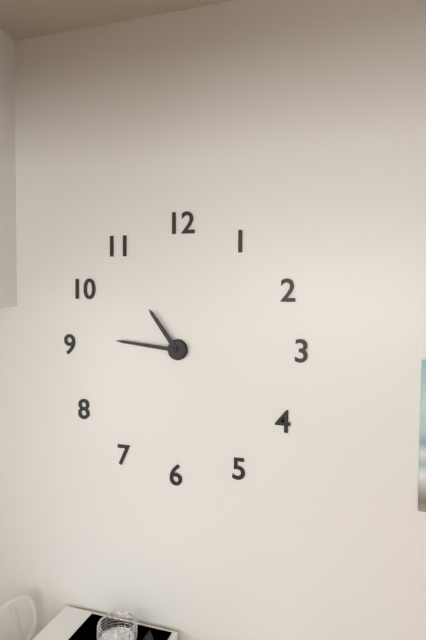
10:46
